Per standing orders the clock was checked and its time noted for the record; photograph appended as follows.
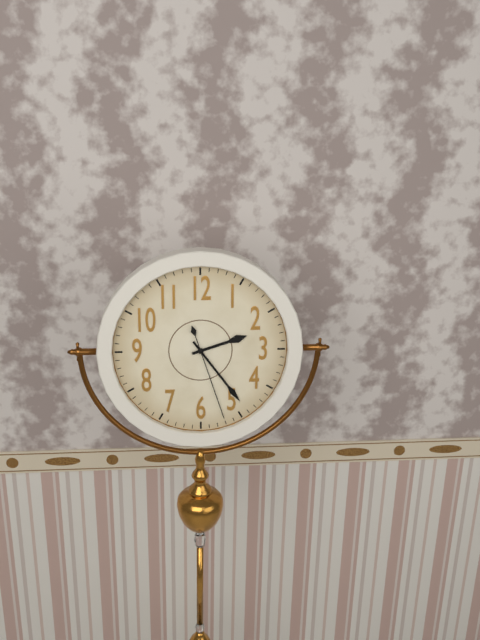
2:24:27
